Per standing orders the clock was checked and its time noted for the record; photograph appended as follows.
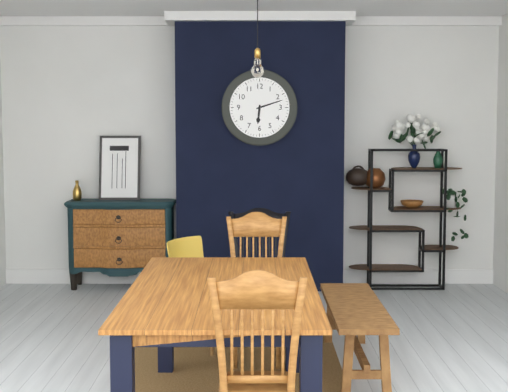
6:12
